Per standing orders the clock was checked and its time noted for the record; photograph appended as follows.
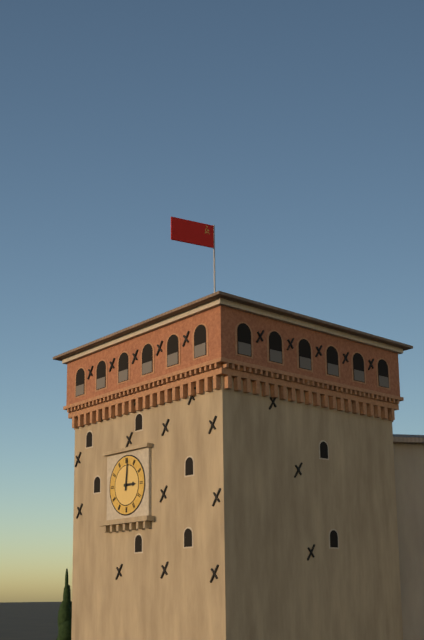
3:01
